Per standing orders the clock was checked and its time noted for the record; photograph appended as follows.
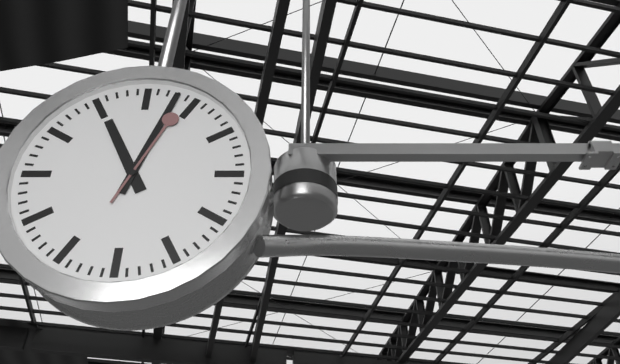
11:03:04
